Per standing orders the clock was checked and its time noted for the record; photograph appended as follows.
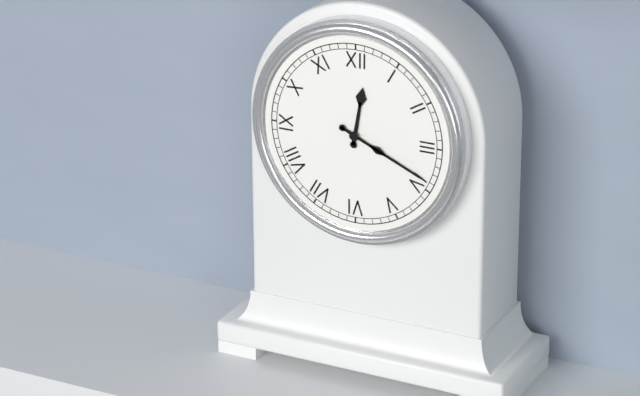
12:19
